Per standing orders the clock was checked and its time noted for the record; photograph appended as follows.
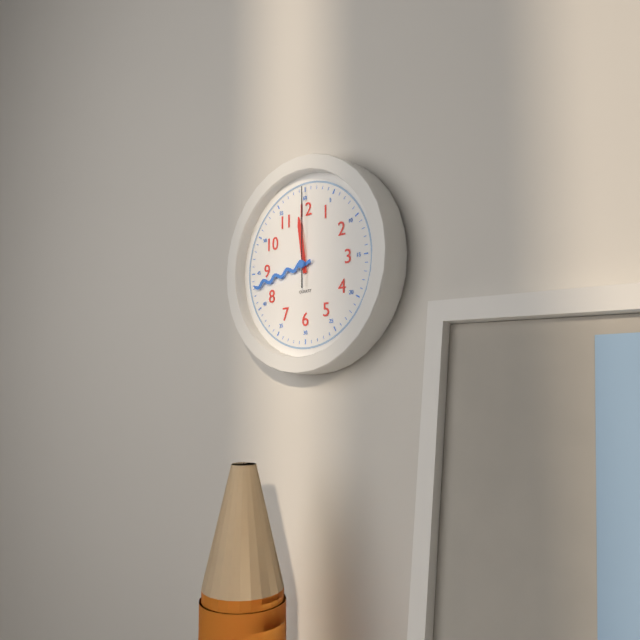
11:43:00
